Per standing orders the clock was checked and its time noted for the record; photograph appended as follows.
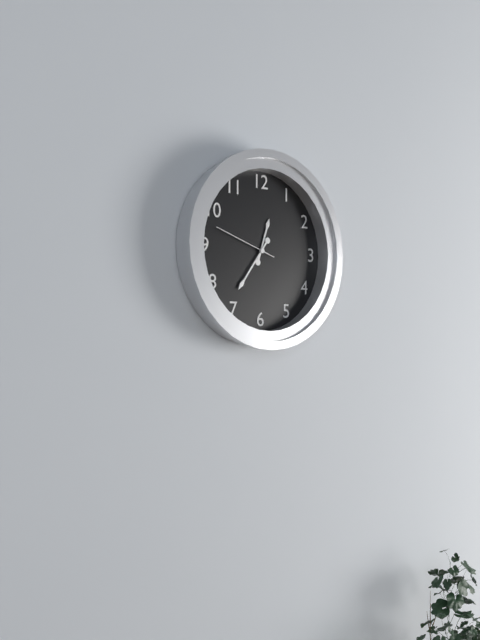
12:36:48
